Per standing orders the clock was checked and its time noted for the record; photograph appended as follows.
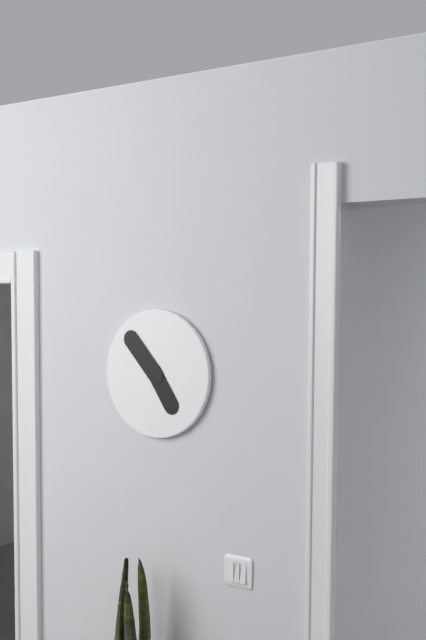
4:53
